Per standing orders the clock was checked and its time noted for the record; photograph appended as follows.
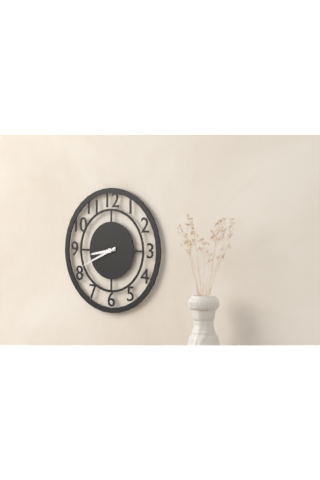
8:41
